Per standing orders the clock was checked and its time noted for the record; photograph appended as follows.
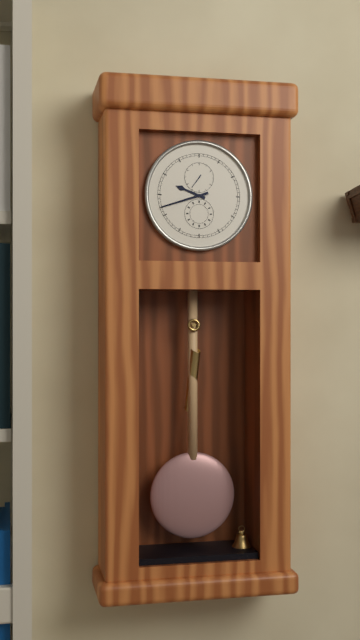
9:42
